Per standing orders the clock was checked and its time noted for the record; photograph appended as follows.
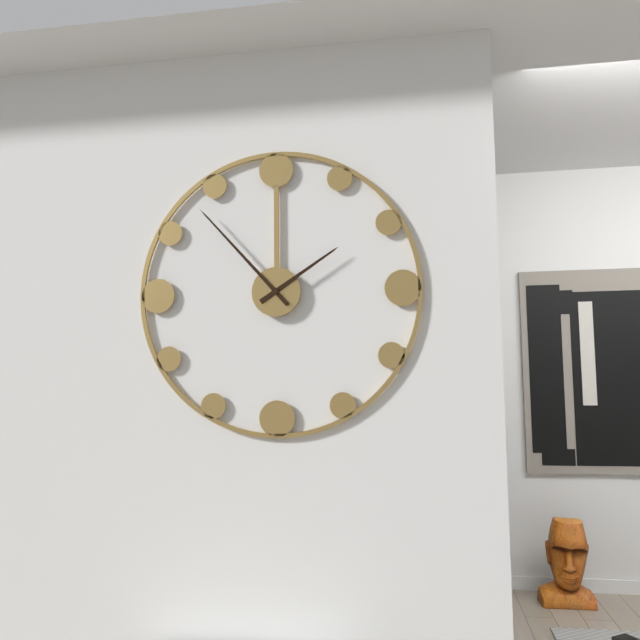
1:53
